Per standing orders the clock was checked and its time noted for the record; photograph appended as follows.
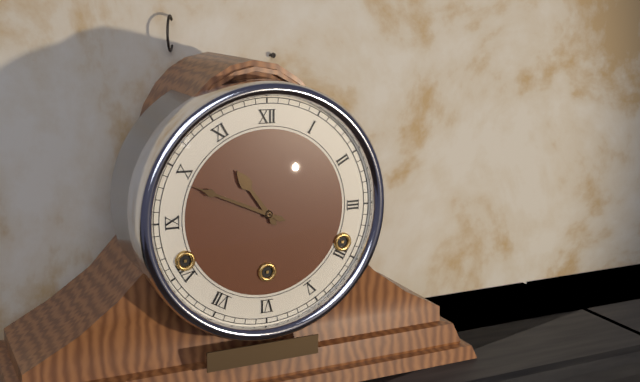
10:49
